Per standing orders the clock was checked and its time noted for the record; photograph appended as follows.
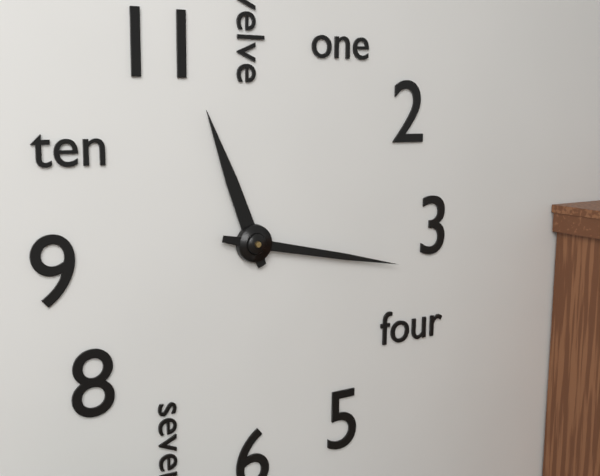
11:17
